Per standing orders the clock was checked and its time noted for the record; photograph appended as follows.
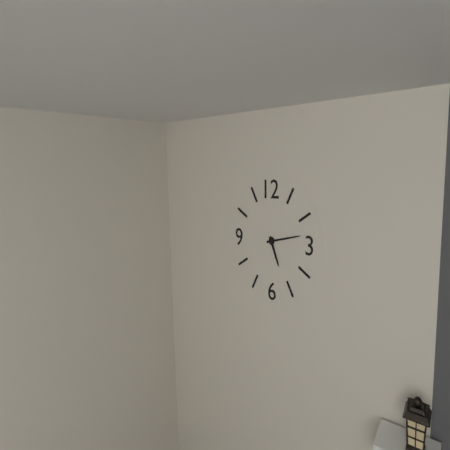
5:13
